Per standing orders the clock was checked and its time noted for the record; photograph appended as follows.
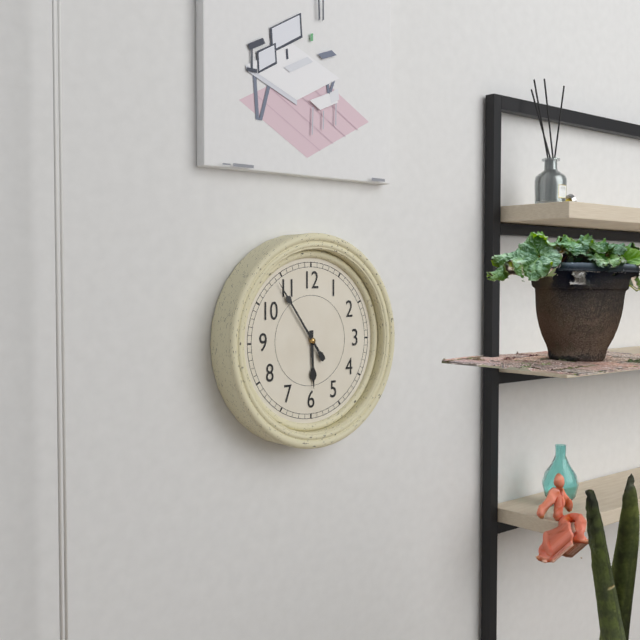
5:54
